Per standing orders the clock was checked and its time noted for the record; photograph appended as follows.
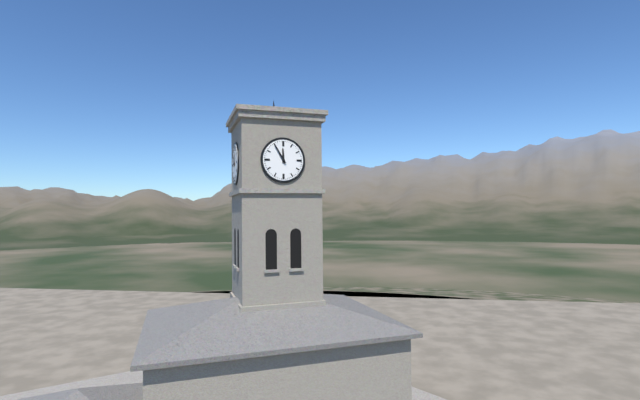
11:55
